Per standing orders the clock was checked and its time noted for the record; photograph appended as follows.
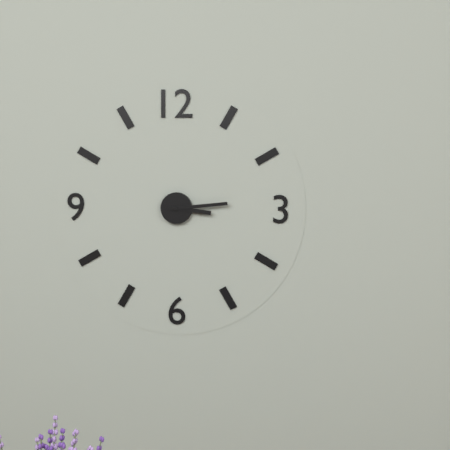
3:14
